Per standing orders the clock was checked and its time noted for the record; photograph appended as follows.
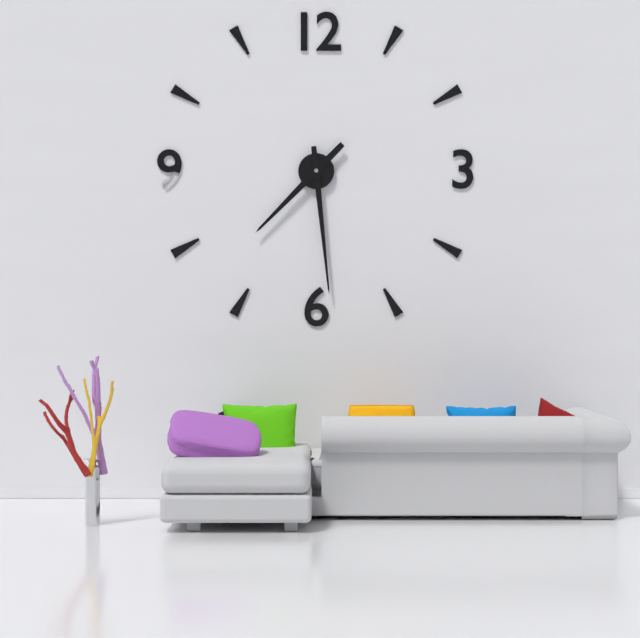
7:29
